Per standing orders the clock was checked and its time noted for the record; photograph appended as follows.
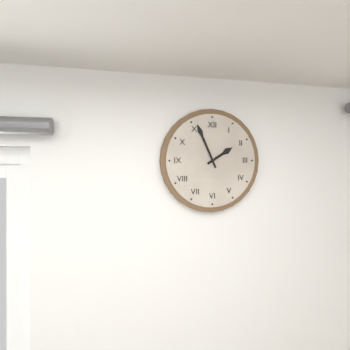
1:56
